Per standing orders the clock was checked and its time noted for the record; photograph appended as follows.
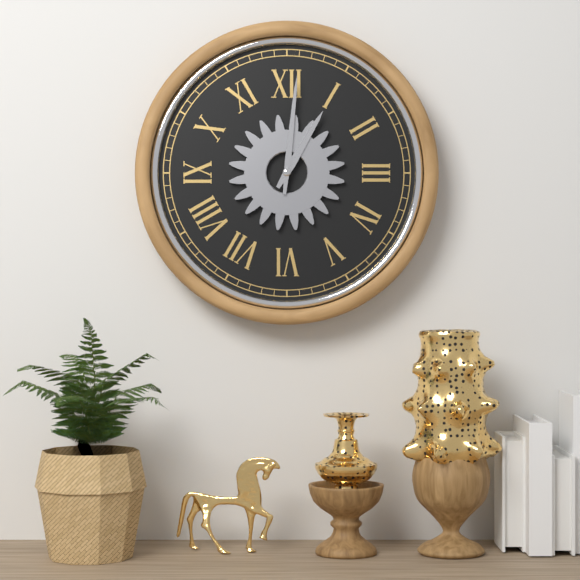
1:01
